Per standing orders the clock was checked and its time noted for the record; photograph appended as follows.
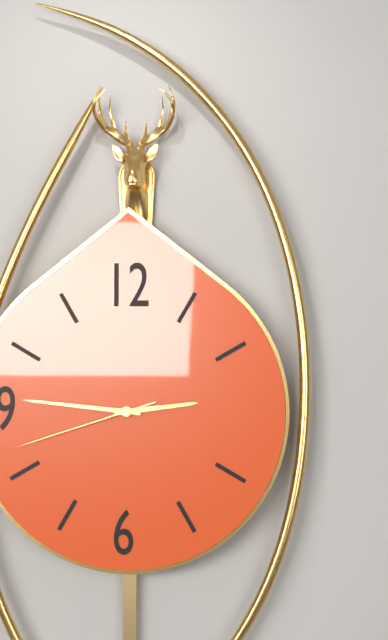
2:46:42
